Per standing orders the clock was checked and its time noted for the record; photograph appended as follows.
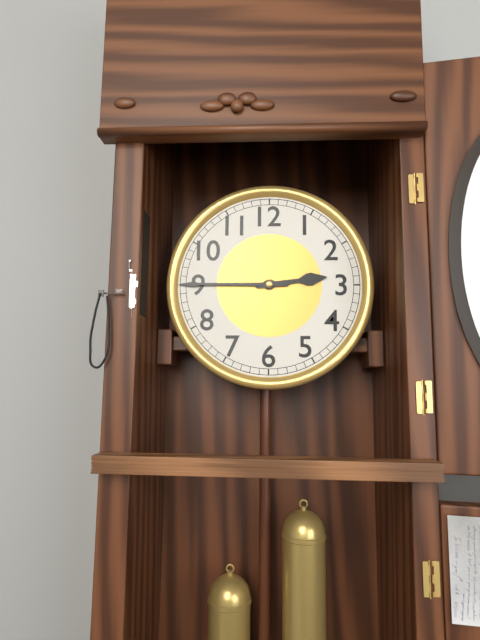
2:45
